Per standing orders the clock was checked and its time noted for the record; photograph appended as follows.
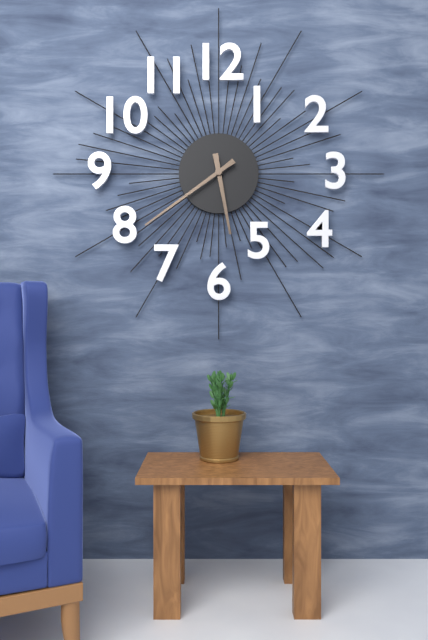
5:39
